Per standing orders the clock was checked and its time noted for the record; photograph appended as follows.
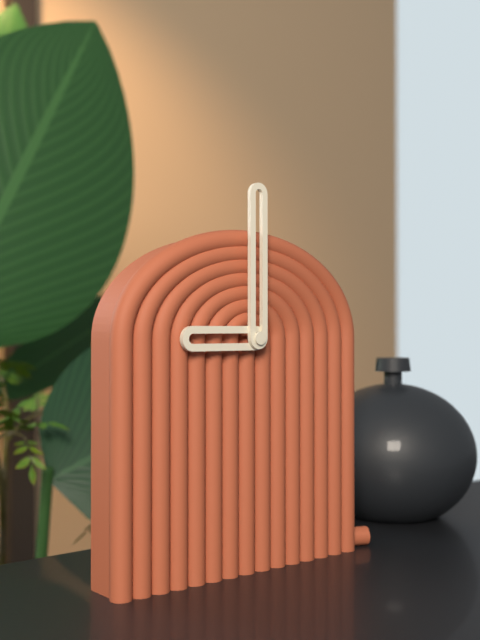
9:00
